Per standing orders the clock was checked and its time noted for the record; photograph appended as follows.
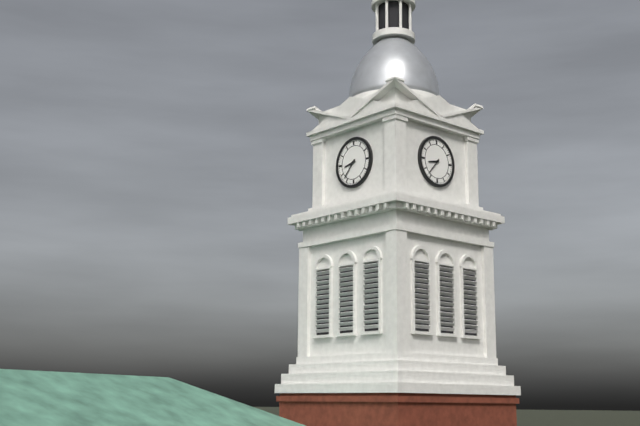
8:37
